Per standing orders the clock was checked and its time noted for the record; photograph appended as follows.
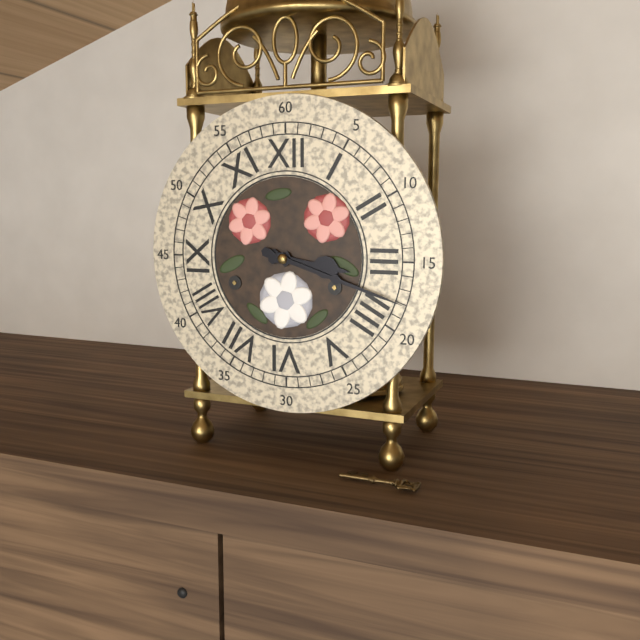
3:18
